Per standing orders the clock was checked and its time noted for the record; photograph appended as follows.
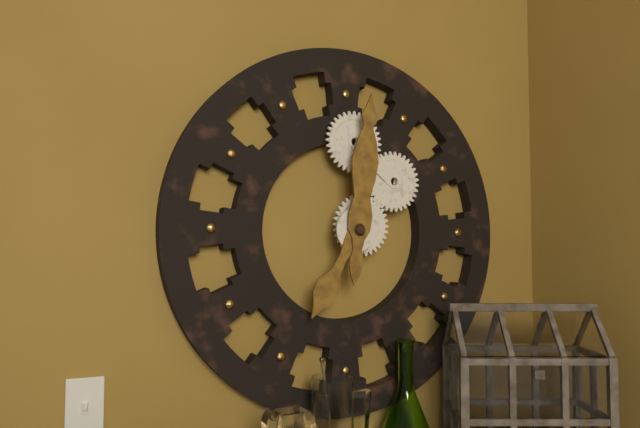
7:01
